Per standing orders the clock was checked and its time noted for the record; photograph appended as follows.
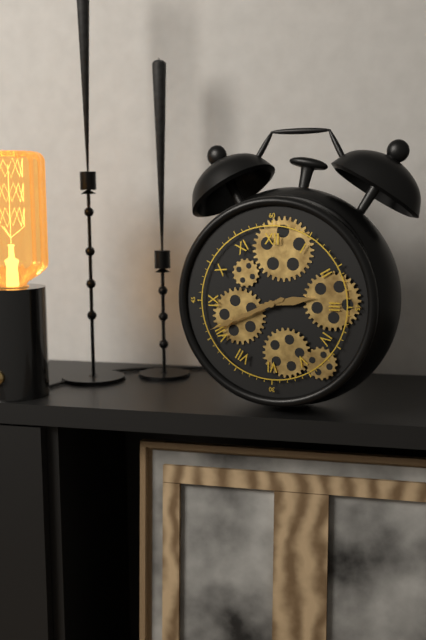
2:41
